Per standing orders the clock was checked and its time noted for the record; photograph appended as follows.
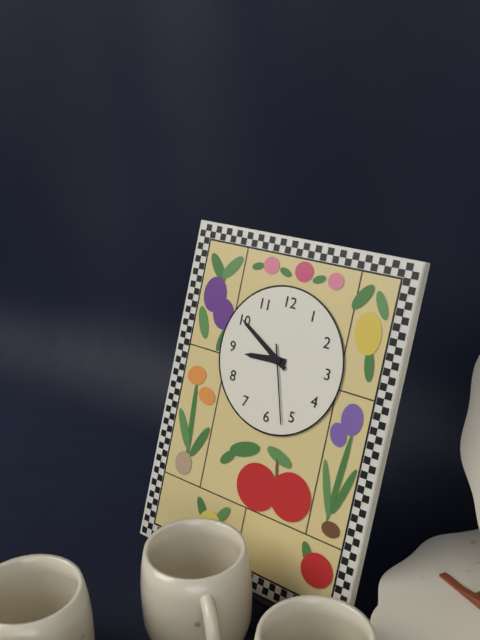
8:50:27
